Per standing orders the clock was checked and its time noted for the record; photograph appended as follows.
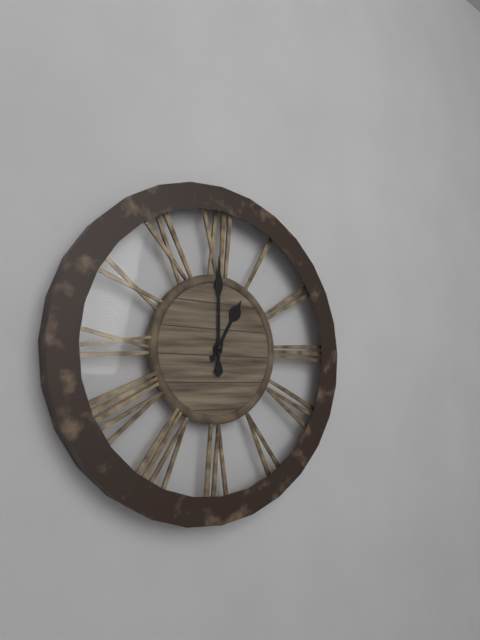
1:00
